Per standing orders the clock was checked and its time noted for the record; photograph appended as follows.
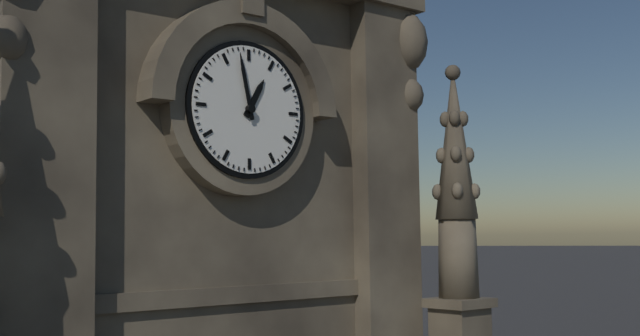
12:58
